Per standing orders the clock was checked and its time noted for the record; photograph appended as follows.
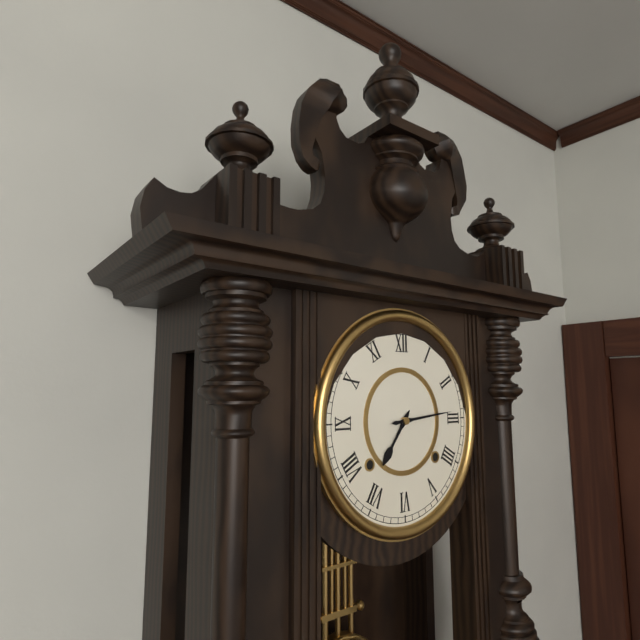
7:14
